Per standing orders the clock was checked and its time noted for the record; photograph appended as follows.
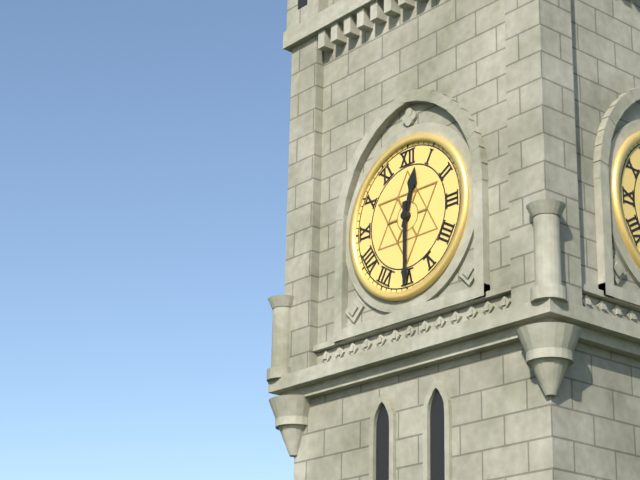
12:30
